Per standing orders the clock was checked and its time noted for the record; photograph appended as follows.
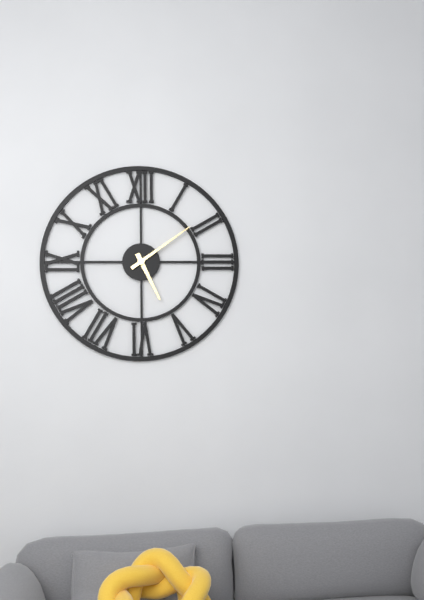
5:09
